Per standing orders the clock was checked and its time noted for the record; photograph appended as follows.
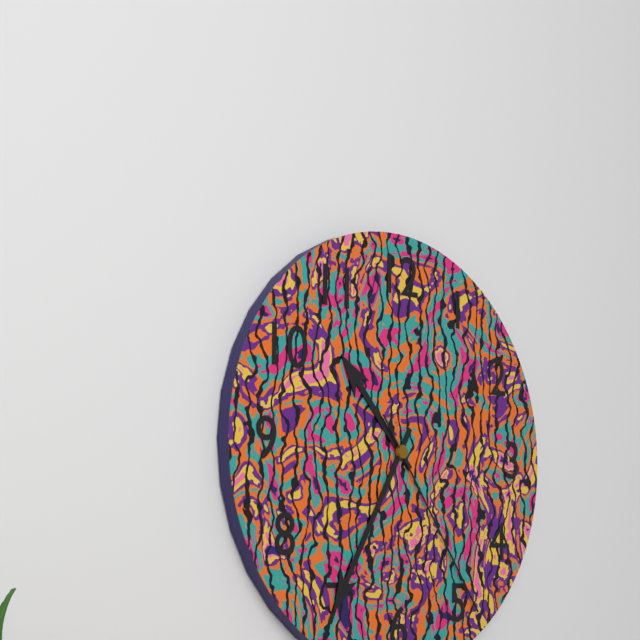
10:35:24
